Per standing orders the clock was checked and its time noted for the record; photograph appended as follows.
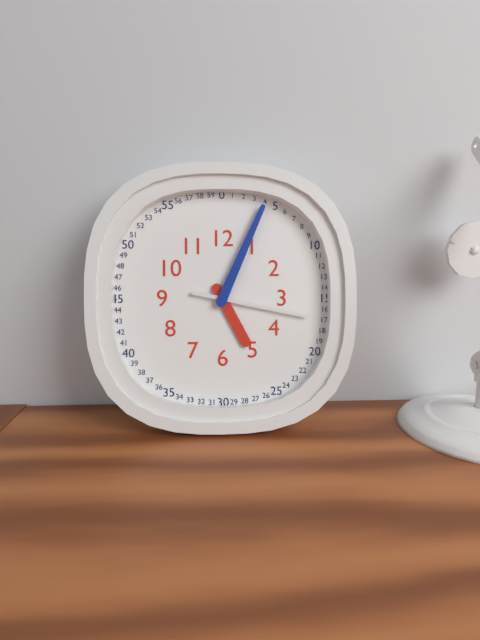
5:04:17
